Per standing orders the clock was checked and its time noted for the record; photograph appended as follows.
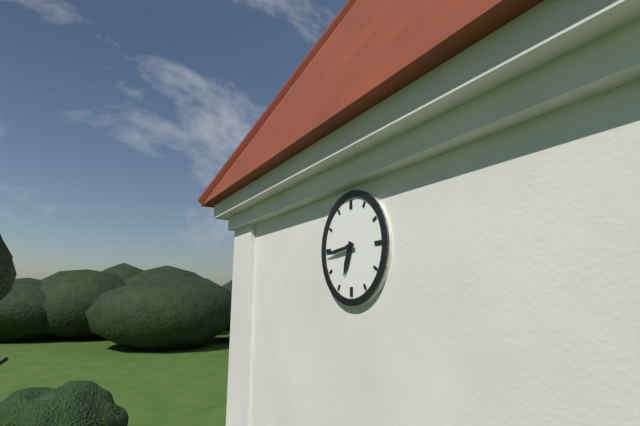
6:44
